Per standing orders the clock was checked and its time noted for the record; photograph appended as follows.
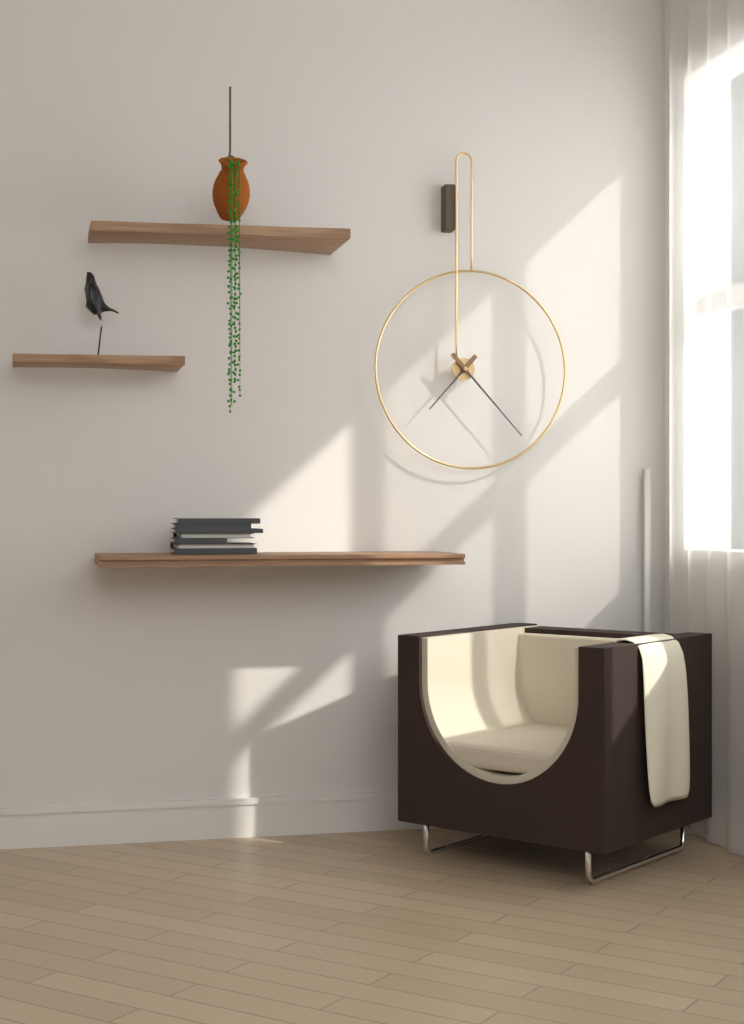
7:23
